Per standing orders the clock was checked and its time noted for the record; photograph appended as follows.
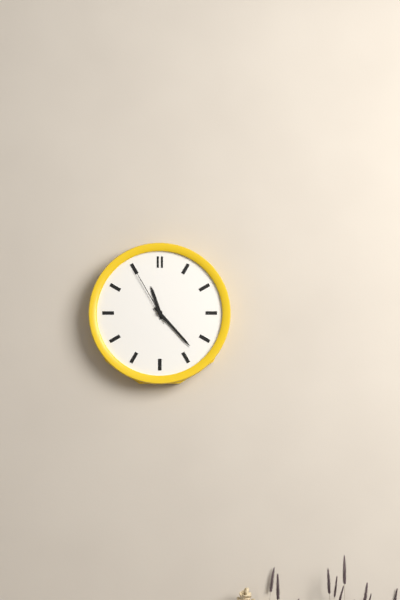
11:23:55
